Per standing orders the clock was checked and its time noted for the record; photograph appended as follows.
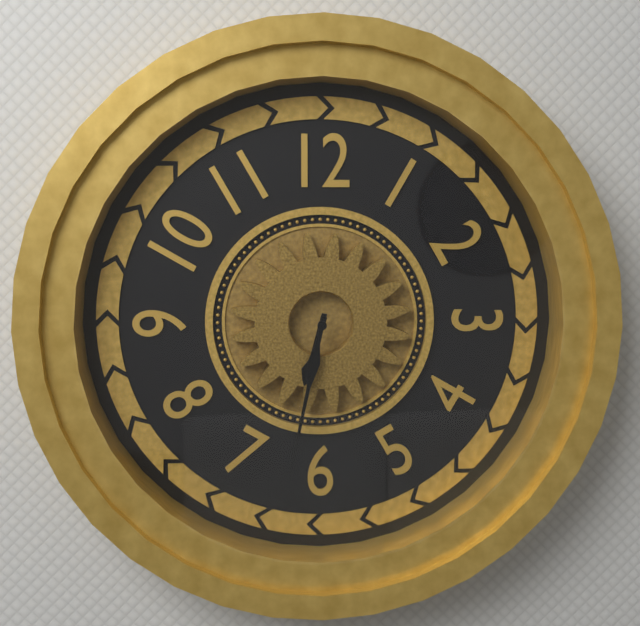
6:32
